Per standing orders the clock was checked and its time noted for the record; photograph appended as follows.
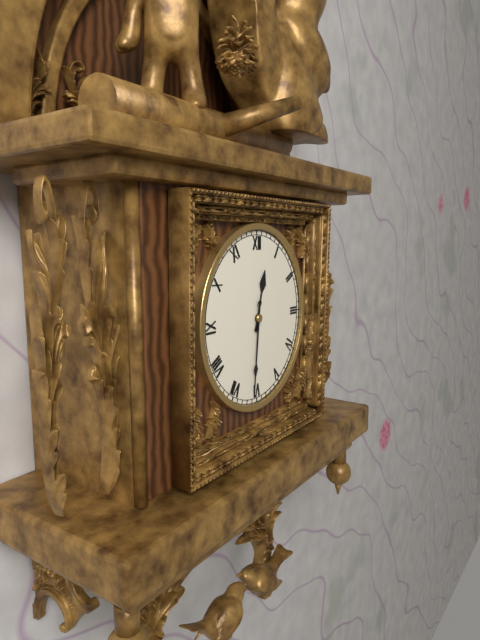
12:31
